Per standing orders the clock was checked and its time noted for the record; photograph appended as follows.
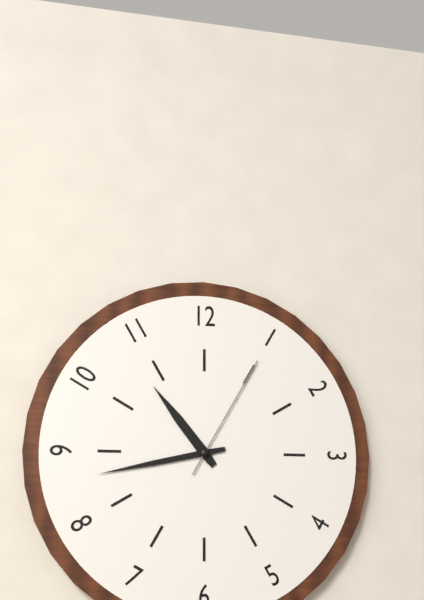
10:43:05
